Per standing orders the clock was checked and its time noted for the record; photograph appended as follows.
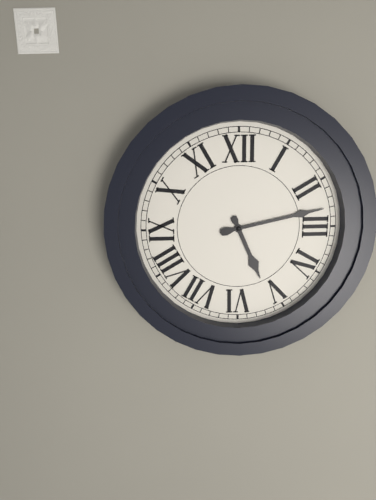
5:13
